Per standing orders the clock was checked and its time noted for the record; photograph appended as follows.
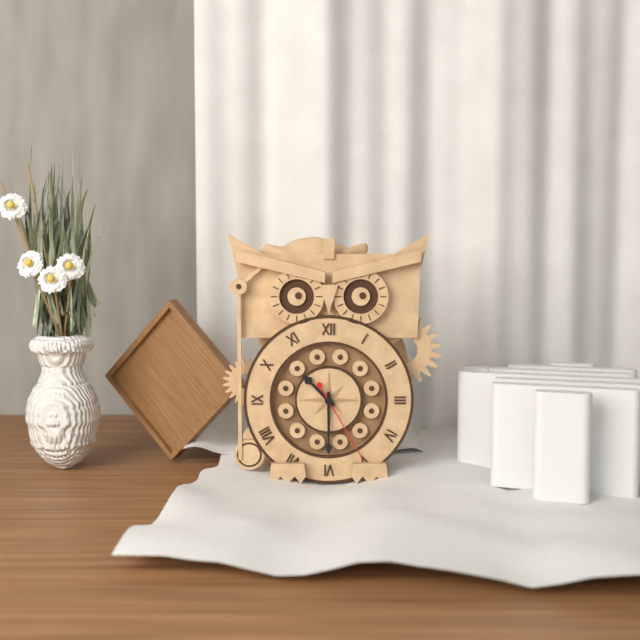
10:30:25
